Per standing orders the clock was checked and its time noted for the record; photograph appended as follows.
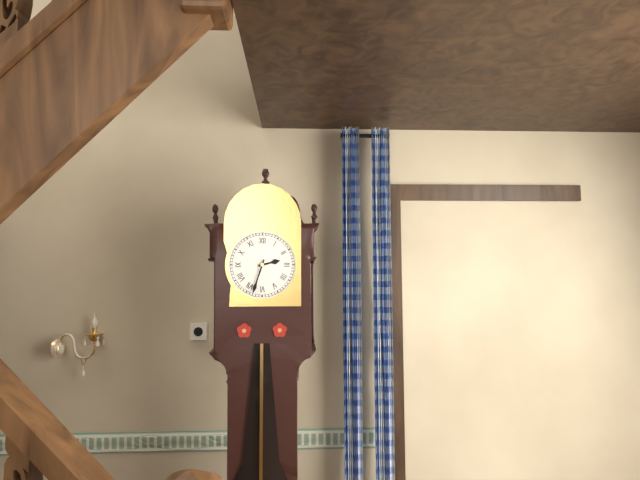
2:33
